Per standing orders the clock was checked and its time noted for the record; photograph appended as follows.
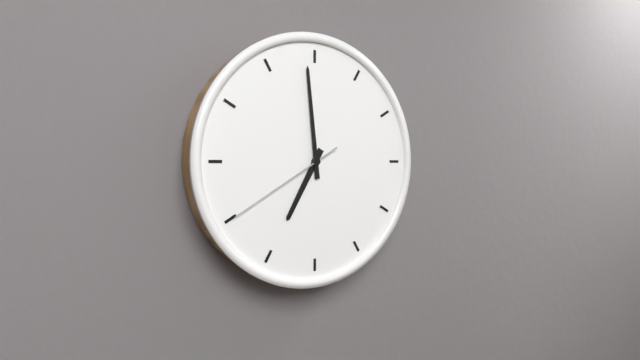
6:59:40
